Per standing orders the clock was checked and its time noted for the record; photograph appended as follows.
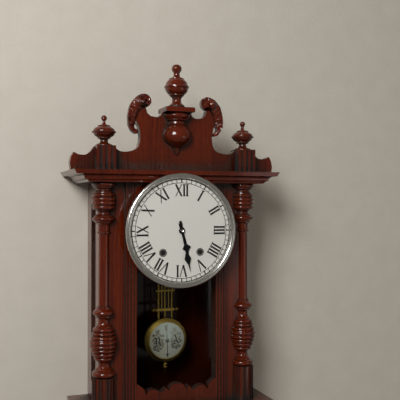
5:28
